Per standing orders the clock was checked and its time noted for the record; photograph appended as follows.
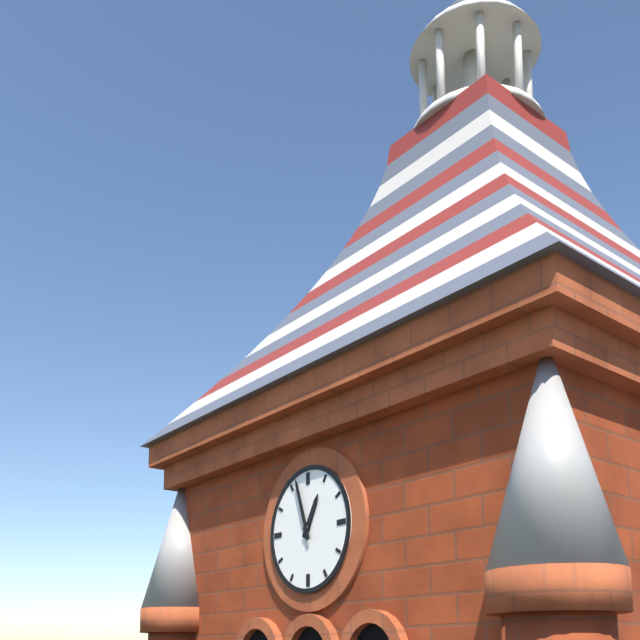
12:57
